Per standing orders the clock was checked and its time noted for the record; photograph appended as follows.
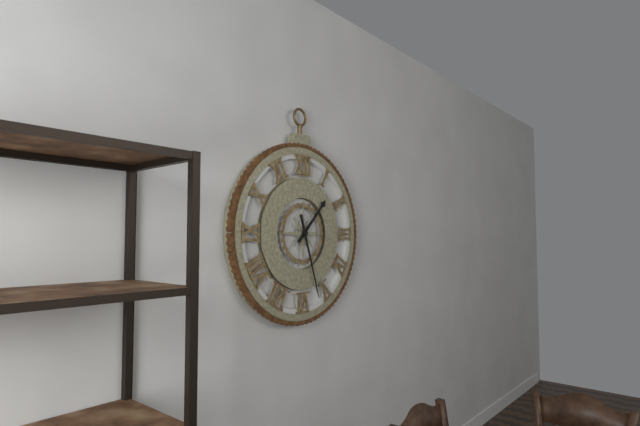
1:27
